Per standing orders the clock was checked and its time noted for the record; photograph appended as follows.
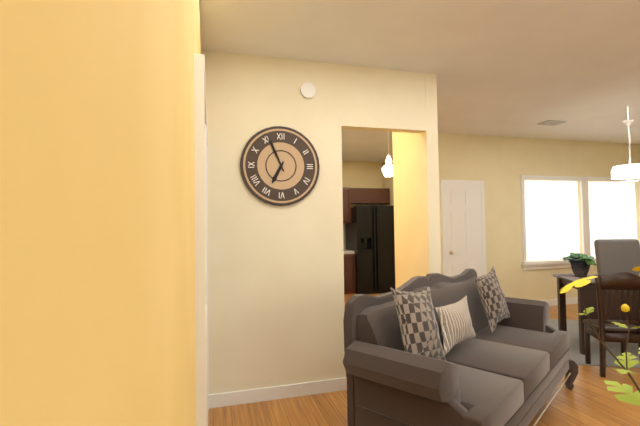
6:56
